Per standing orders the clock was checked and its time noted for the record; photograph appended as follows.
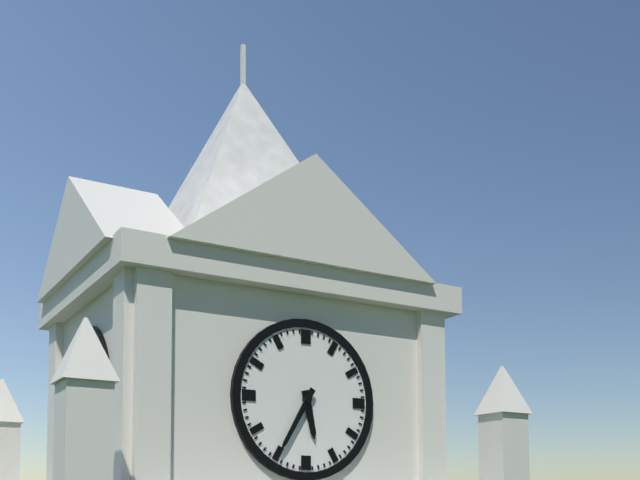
5:35
